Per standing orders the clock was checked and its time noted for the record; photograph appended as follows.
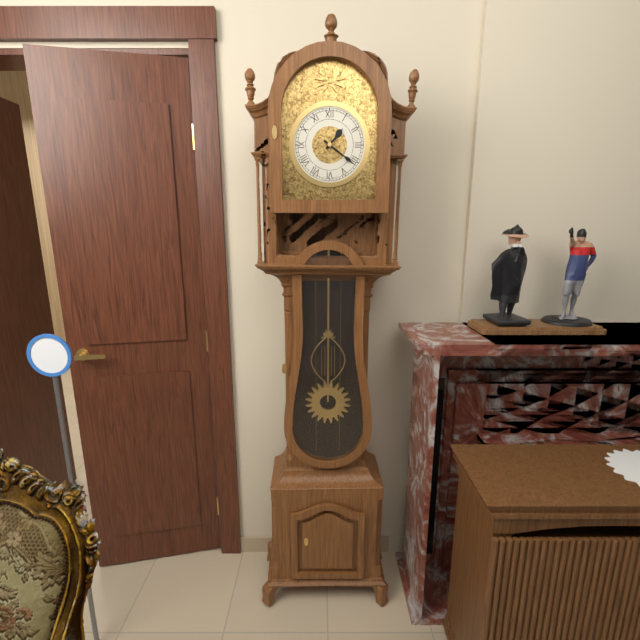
1:21
